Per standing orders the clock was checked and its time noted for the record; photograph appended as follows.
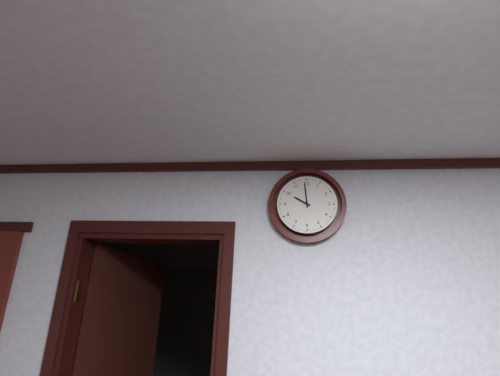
9:59
